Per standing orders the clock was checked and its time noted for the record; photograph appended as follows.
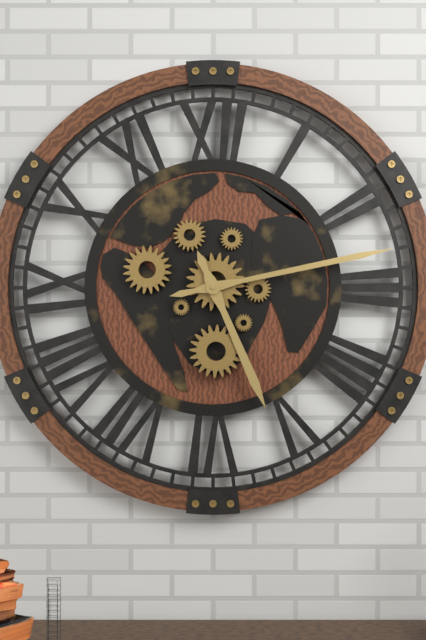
5:13
